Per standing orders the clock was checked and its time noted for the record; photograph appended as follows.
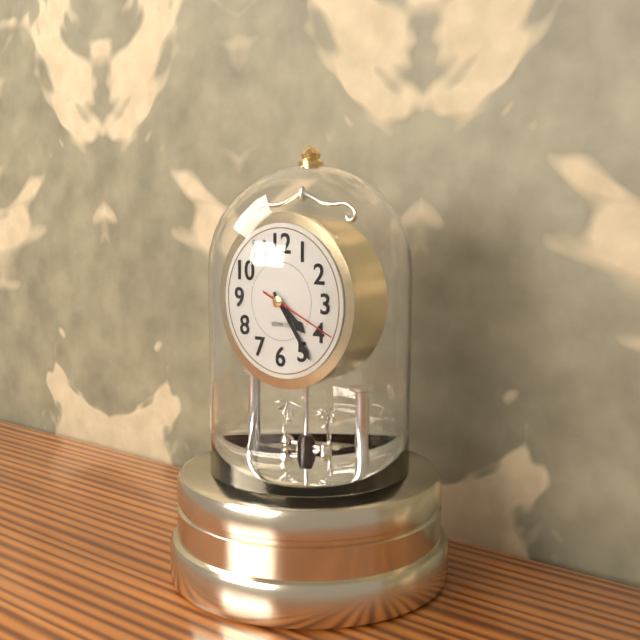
4:24:19
